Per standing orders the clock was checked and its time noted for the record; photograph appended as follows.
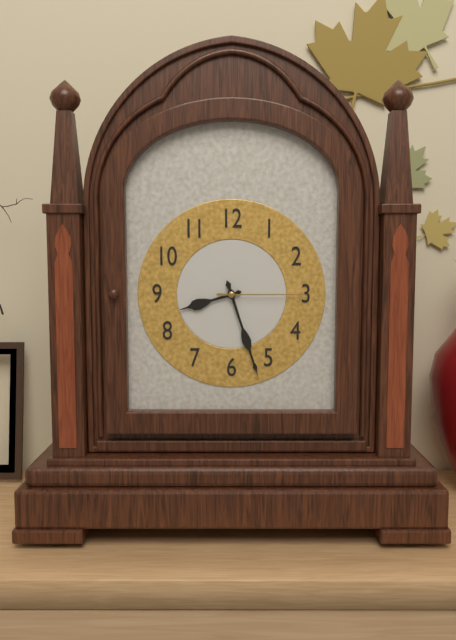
8:27:15
